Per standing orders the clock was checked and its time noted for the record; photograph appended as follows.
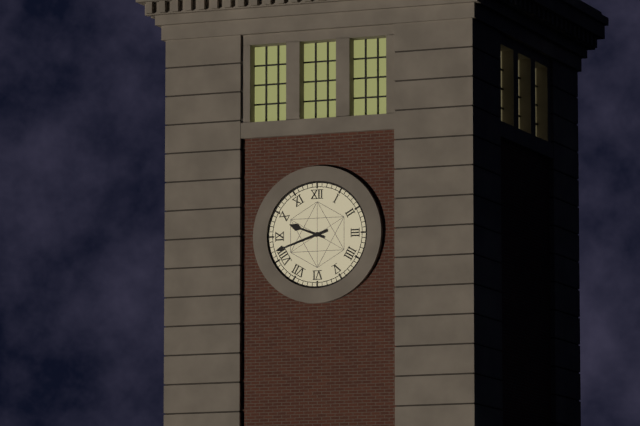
9:42
